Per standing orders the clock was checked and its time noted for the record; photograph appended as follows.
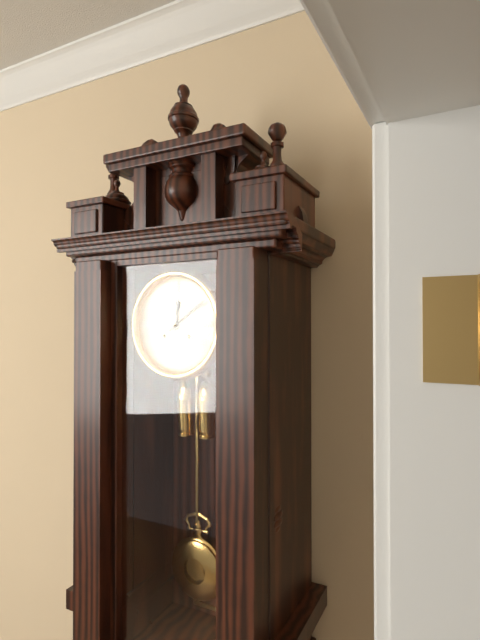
12:09
